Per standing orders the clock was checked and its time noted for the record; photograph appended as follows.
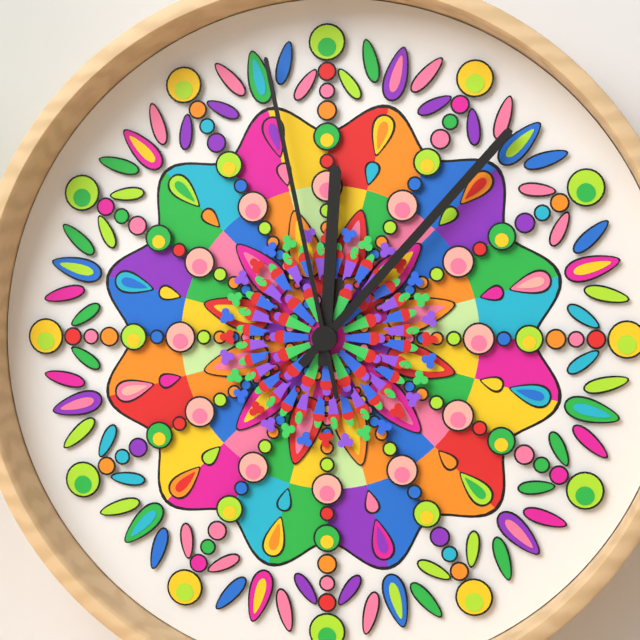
12:07:58
